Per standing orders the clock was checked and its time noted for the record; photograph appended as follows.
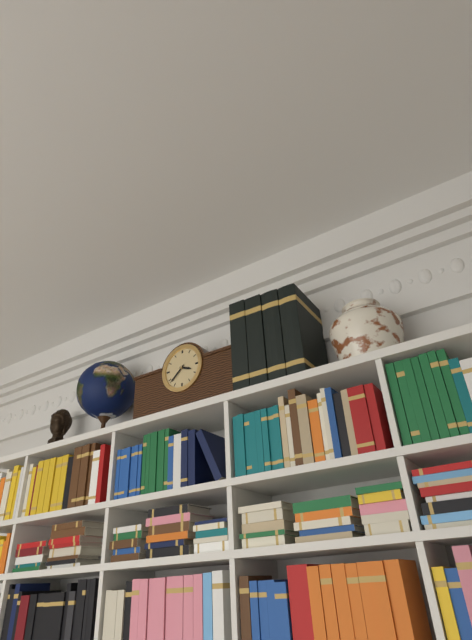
3:38
